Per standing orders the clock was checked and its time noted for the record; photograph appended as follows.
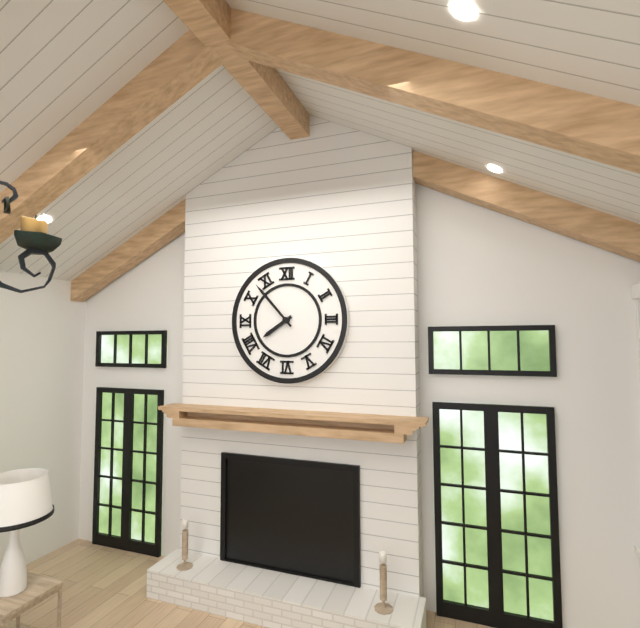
7:53
